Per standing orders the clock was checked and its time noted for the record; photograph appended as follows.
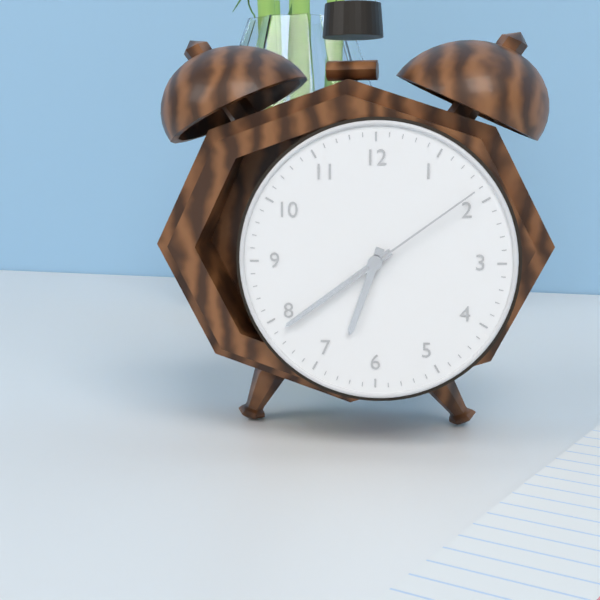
6:39:09
